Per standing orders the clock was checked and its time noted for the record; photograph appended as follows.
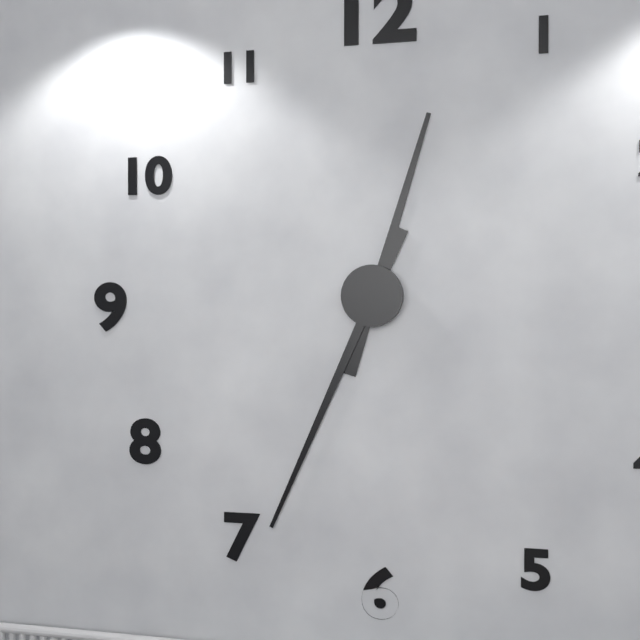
12:34
